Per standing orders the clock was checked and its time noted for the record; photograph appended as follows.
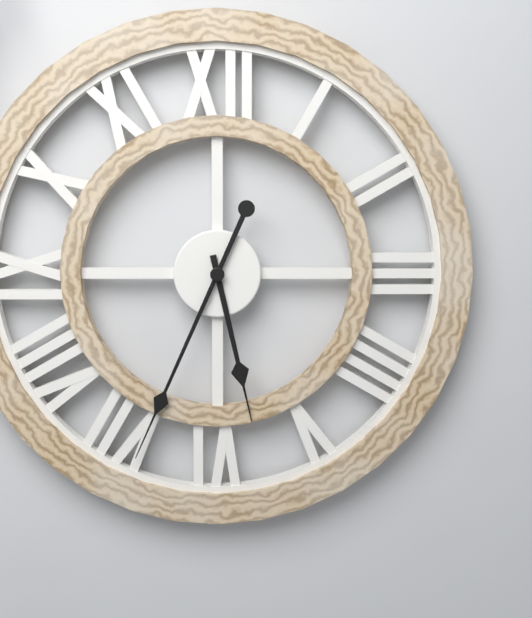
5:34
